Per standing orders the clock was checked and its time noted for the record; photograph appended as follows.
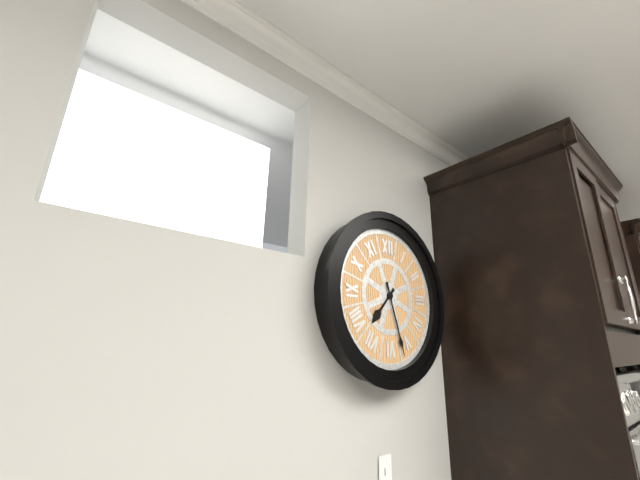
7:27
